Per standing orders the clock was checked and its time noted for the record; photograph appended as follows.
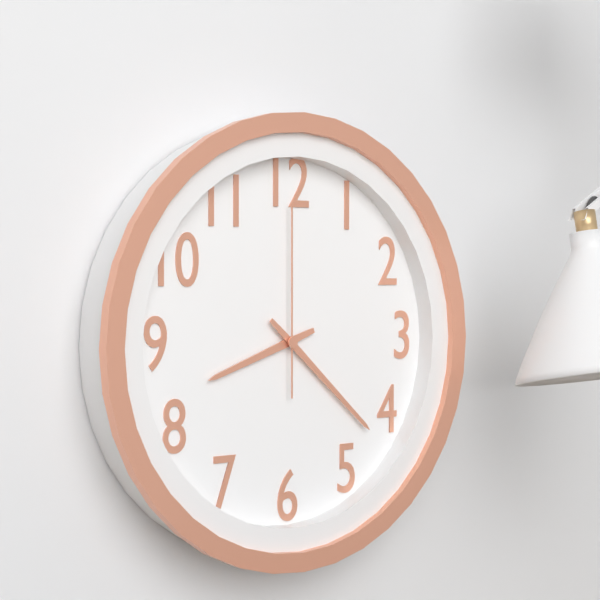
8:22:00
